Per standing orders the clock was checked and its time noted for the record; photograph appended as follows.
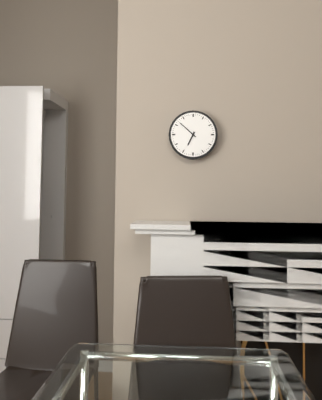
6:52
